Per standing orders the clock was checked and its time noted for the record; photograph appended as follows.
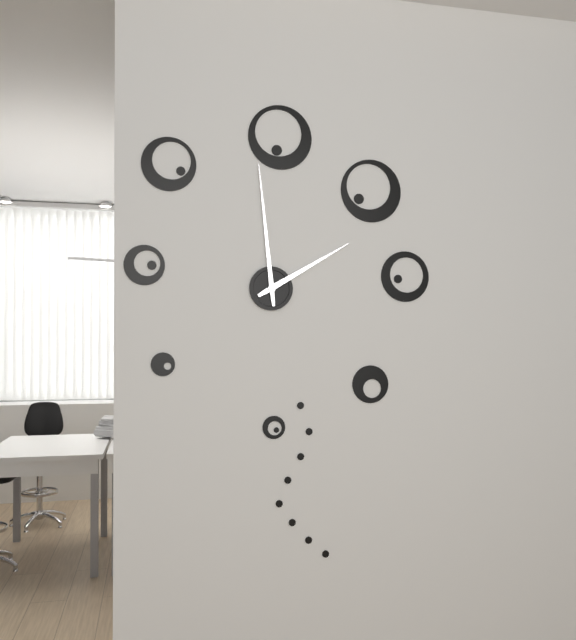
1:59
